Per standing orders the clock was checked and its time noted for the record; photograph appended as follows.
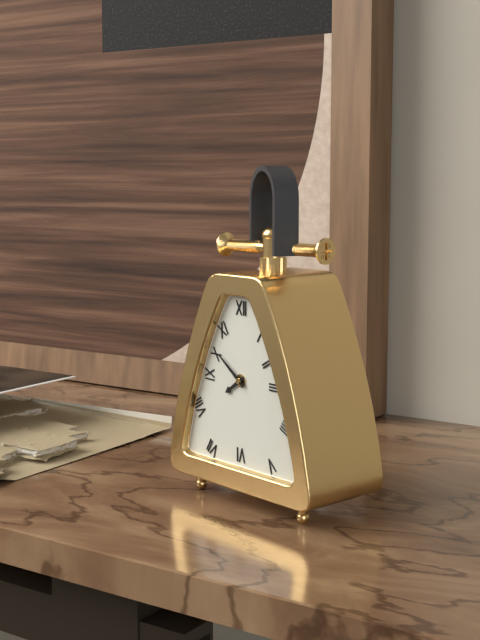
7:51
